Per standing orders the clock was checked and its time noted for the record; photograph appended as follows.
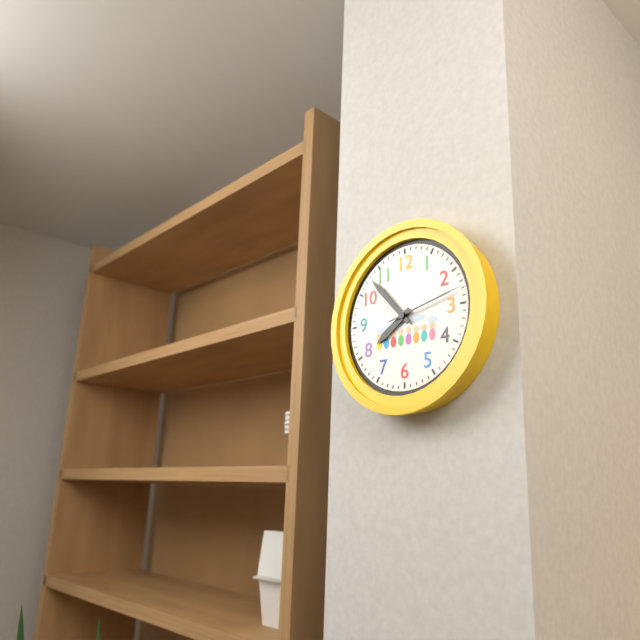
7:53:13
